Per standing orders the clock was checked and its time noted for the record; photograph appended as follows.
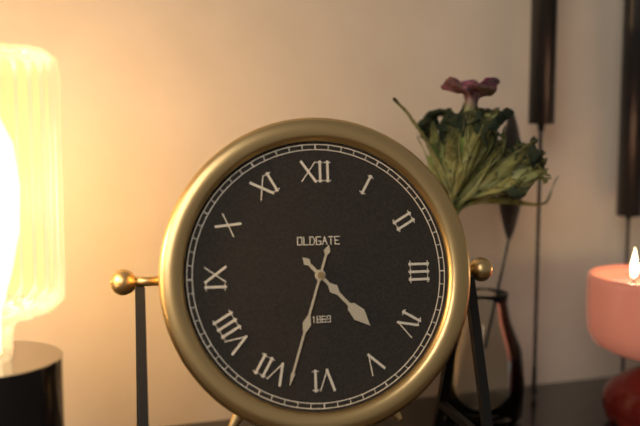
4:33
